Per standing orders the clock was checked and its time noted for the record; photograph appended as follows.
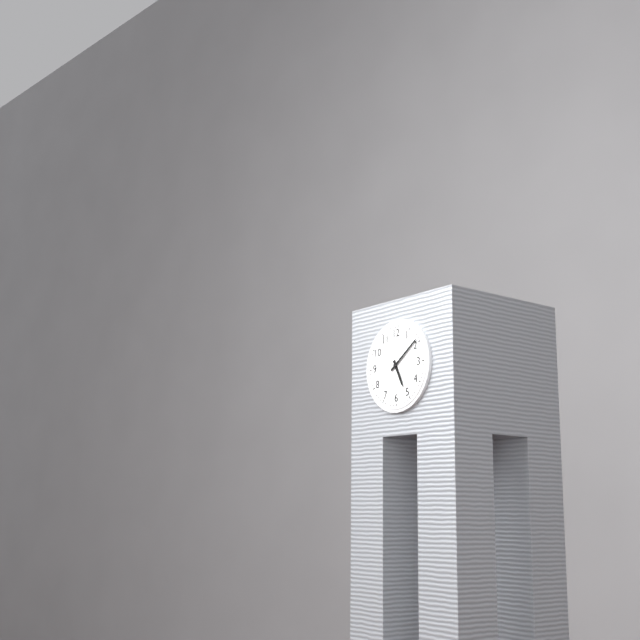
5:09
